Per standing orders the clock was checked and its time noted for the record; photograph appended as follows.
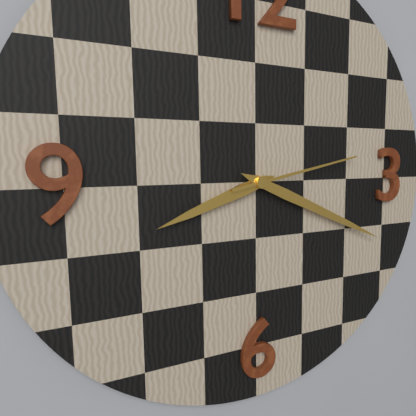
8:19:13
